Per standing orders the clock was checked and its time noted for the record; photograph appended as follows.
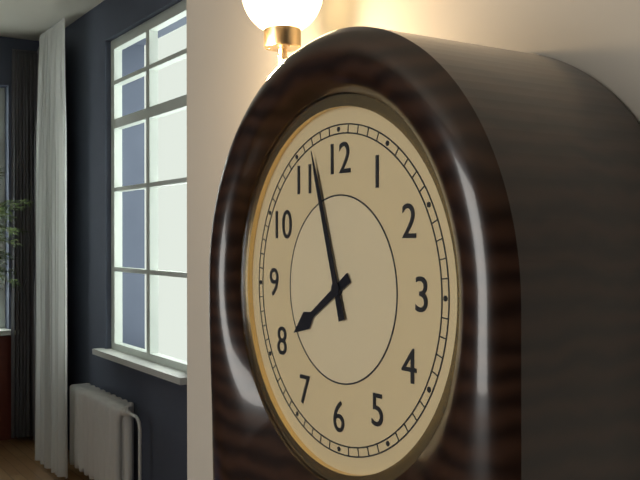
7:57
